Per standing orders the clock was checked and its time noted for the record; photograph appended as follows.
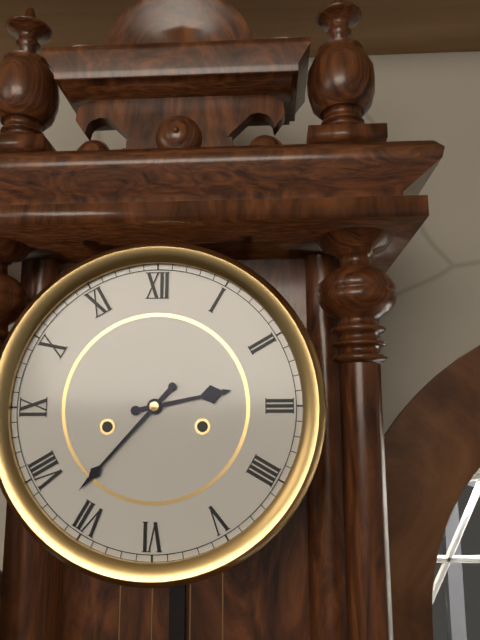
2:37
